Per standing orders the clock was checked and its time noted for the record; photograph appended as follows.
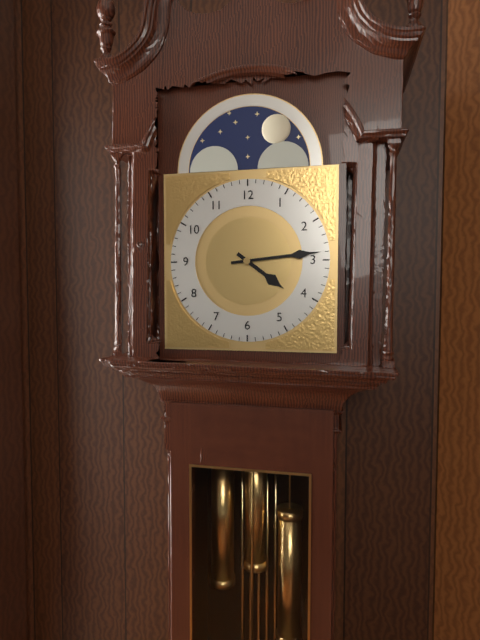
4:14
